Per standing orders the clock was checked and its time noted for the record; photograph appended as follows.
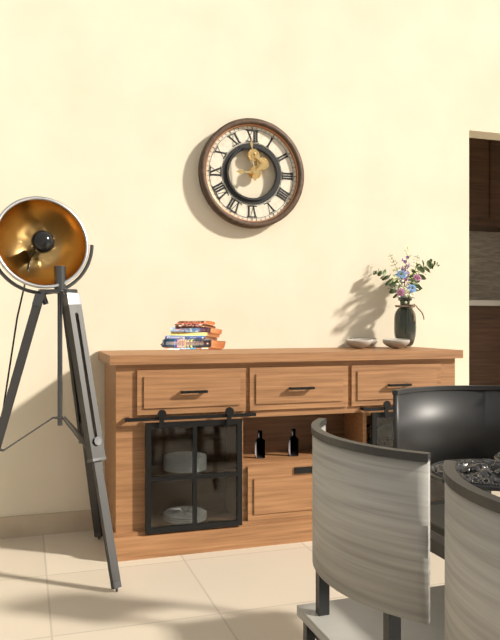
8:59
